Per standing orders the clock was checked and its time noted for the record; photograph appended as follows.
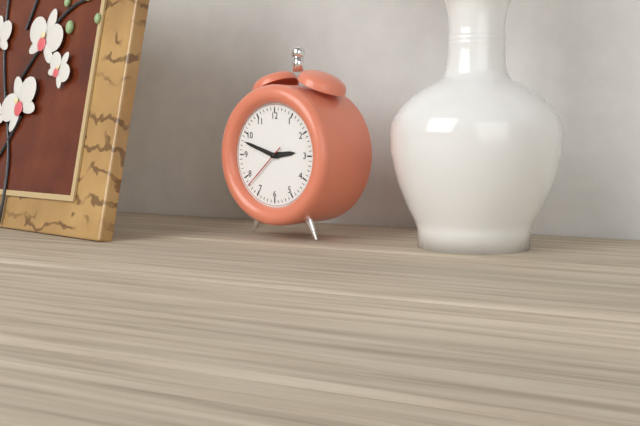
2:48:38
